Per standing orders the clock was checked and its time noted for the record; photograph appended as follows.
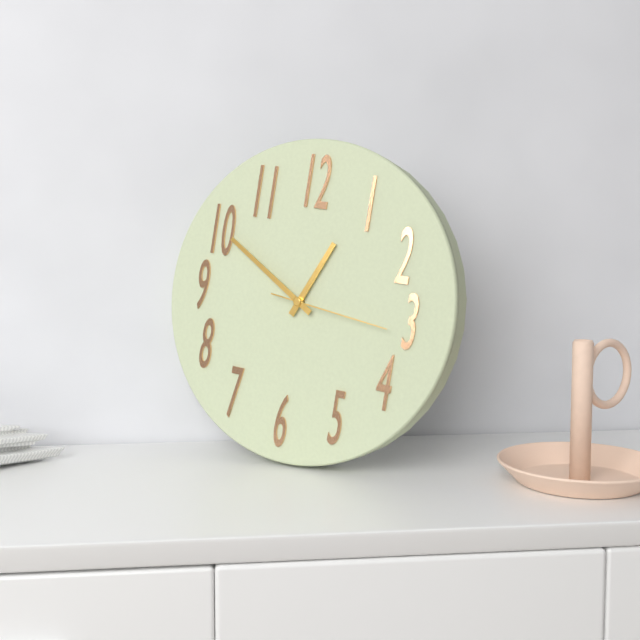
12:50:16
